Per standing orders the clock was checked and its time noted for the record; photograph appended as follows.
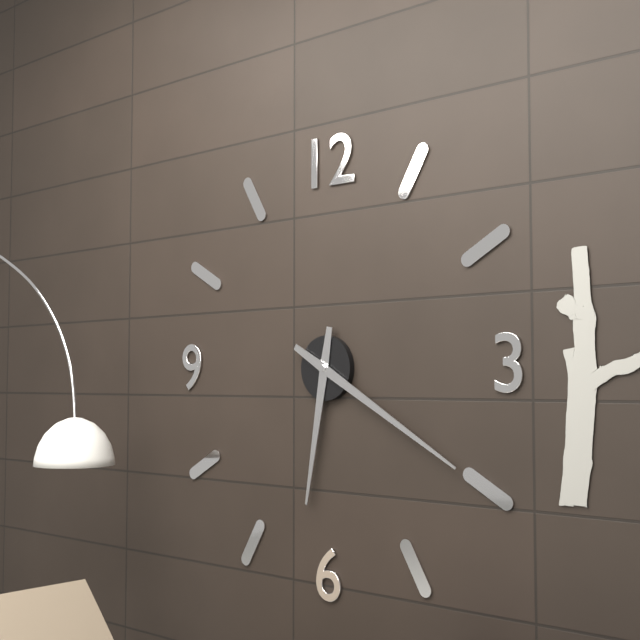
6:20
